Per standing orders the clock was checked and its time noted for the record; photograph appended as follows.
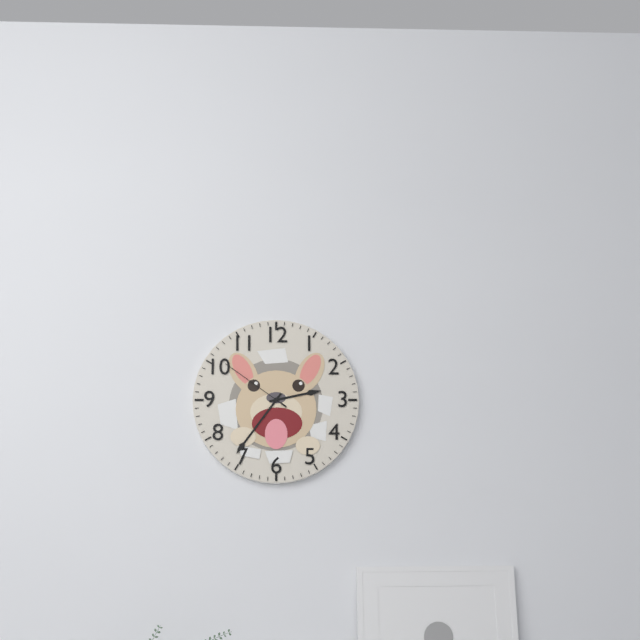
2:36:51
